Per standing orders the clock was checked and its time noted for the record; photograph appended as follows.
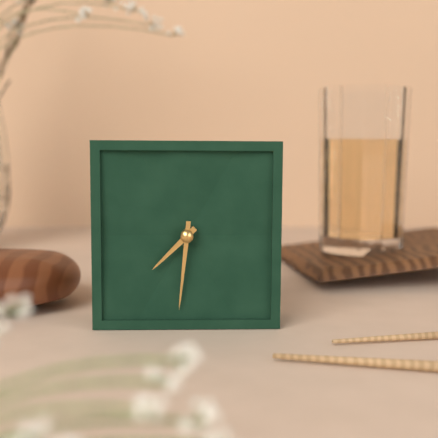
7:31
